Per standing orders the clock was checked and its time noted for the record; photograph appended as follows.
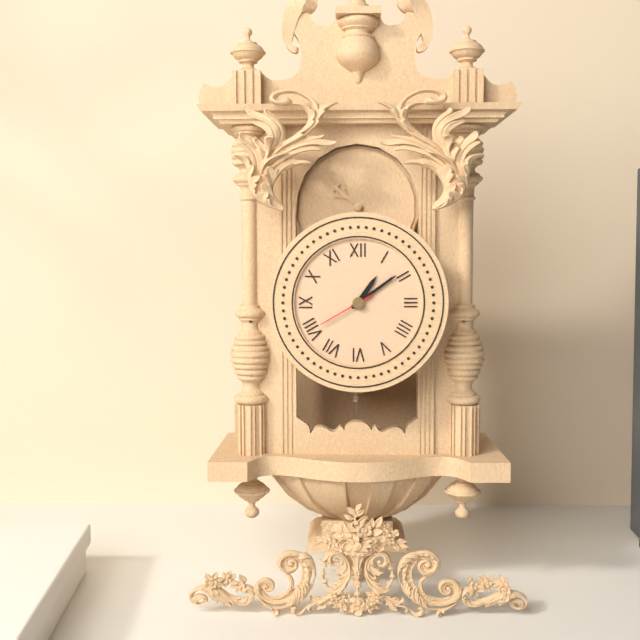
1:09:40
